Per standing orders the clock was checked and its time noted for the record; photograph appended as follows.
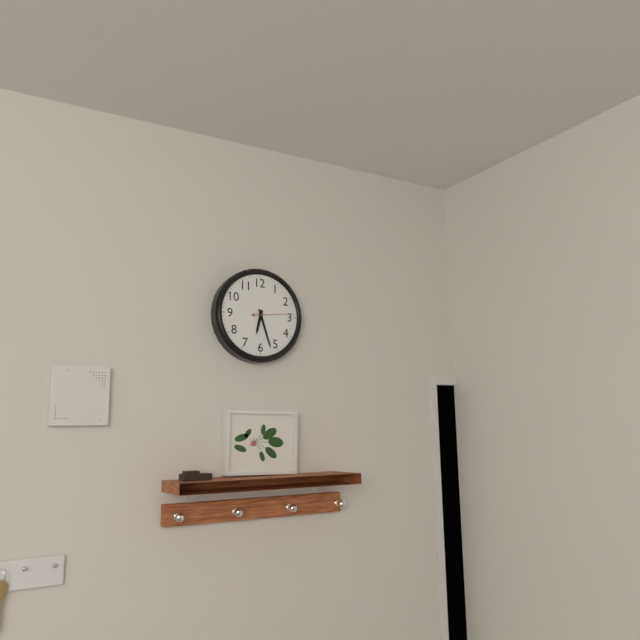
6:27
